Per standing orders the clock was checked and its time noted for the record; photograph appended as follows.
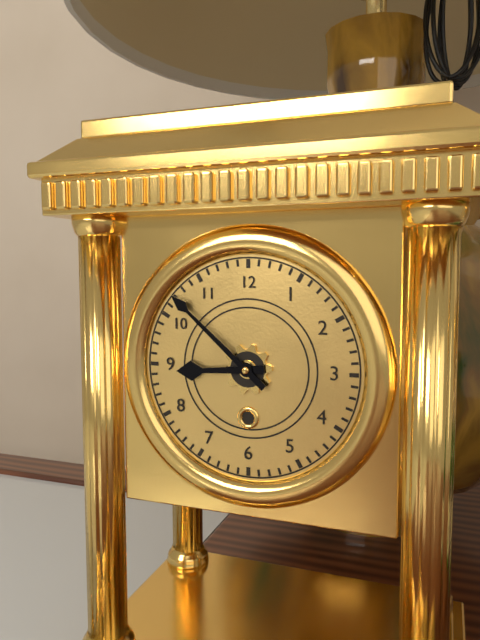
8:52
